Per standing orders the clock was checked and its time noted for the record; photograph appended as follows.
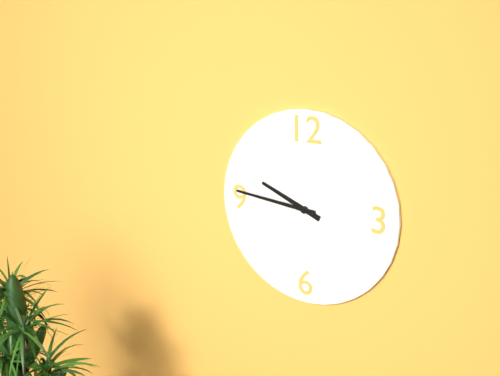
9:46
